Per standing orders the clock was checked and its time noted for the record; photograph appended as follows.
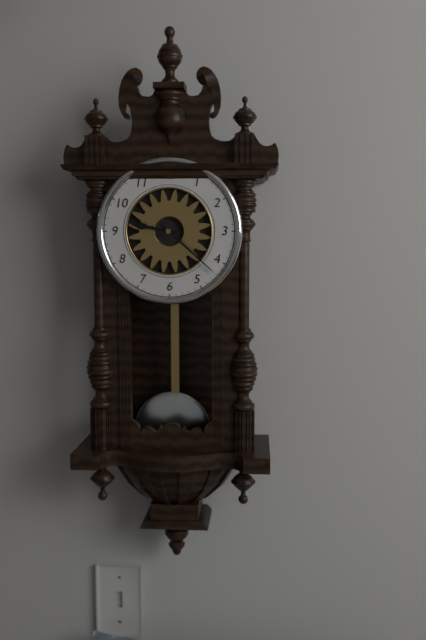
9:22
